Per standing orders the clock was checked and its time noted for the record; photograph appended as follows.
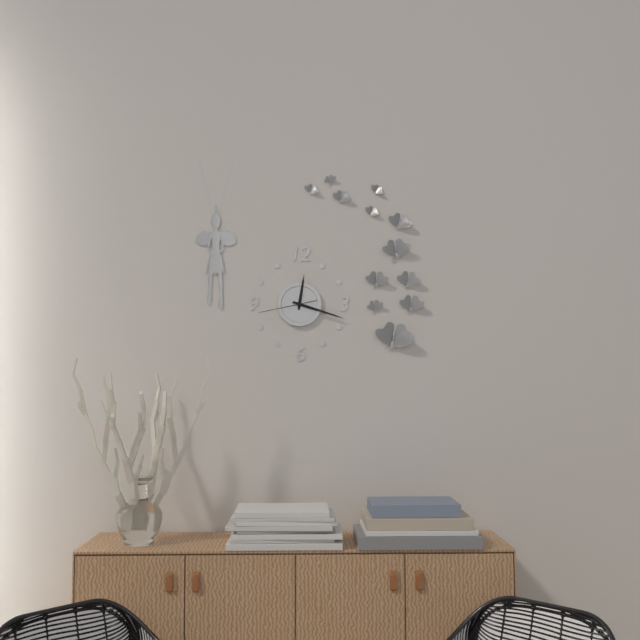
12:18:43
